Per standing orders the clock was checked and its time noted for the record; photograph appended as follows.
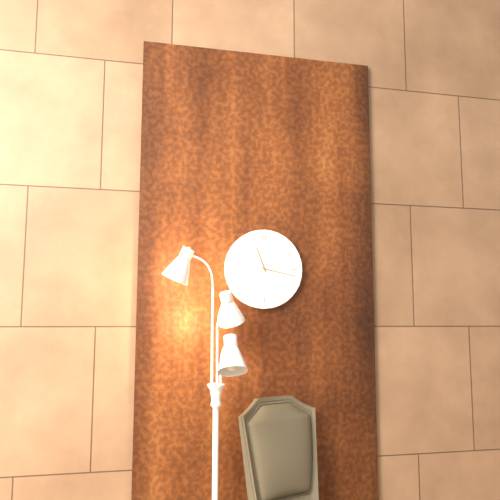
11:17
